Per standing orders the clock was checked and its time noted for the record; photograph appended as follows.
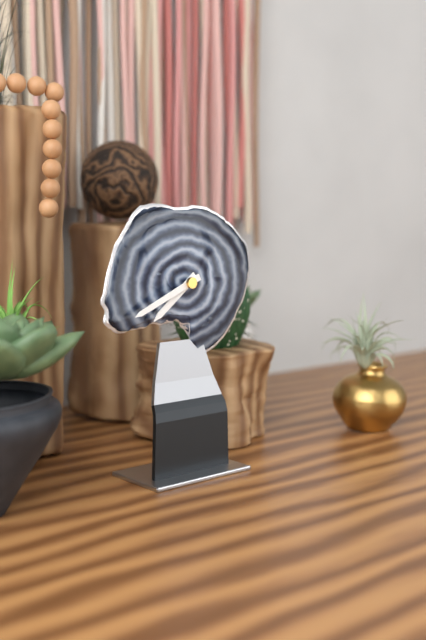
7:41
